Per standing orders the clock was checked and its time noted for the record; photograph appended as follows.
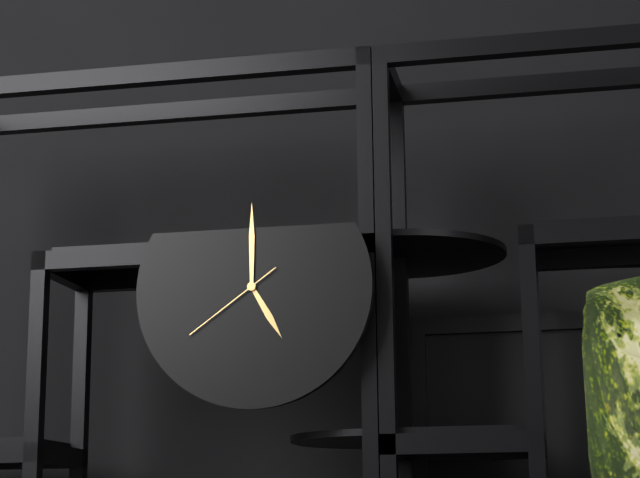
5:00:39
